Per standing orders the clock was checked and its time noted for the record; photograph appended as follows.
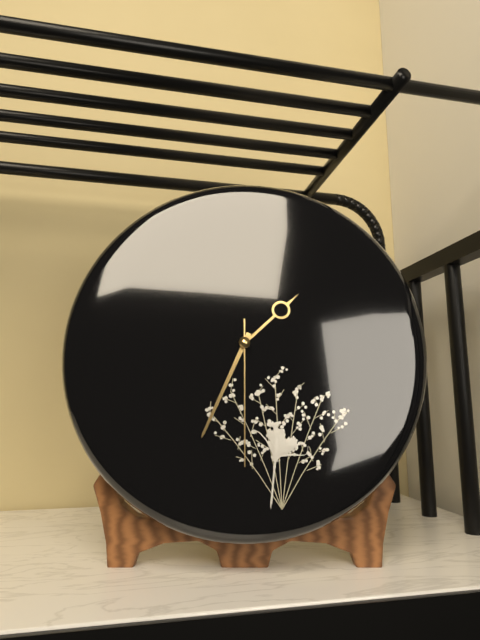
1:34:30
